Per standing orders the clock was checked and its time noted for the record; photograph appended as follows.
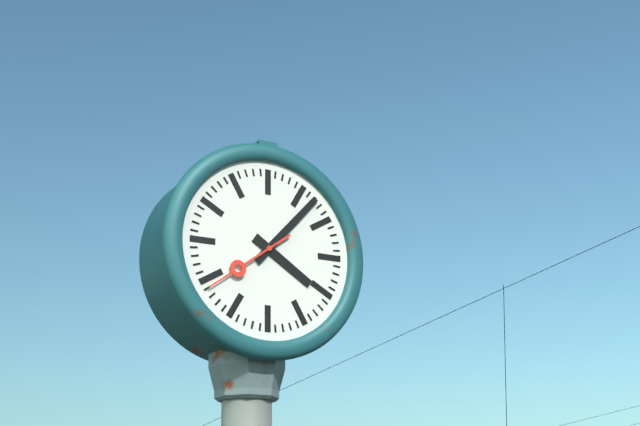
4:07:39
